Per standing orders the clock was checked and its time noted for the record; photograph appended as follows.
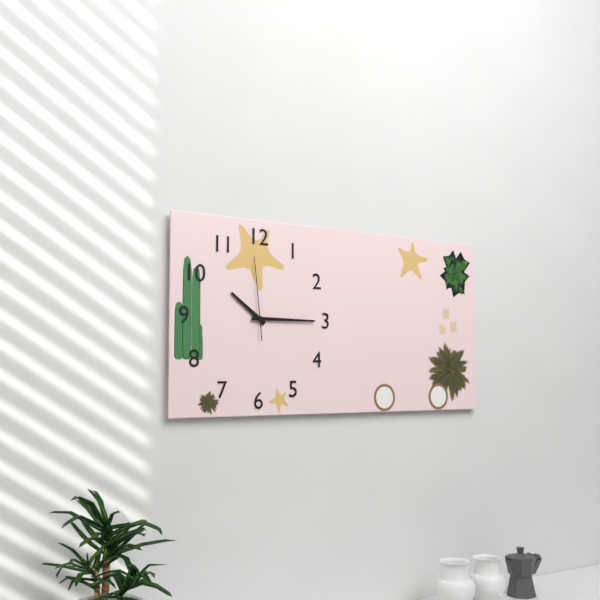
10:15:59
